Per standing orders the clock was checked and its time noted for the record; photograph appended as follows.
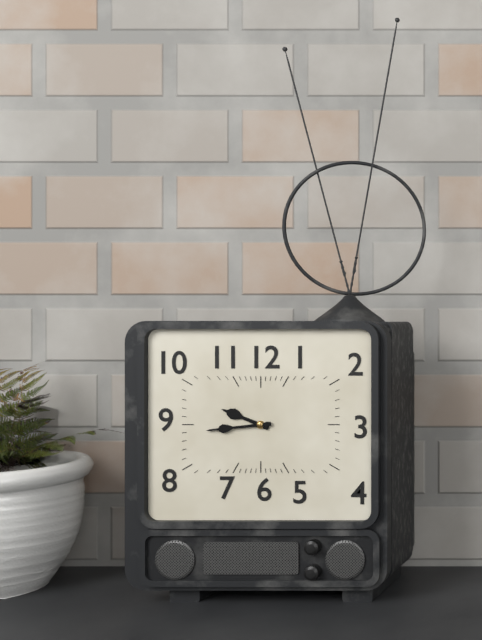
9:44
